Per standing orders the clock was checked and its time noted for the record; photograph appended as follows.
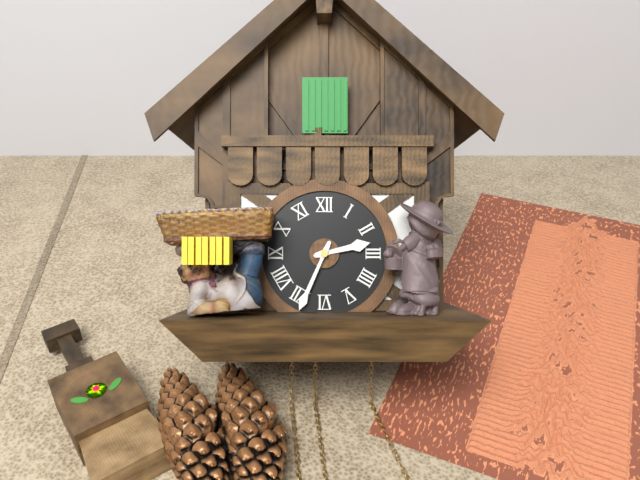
2:34
